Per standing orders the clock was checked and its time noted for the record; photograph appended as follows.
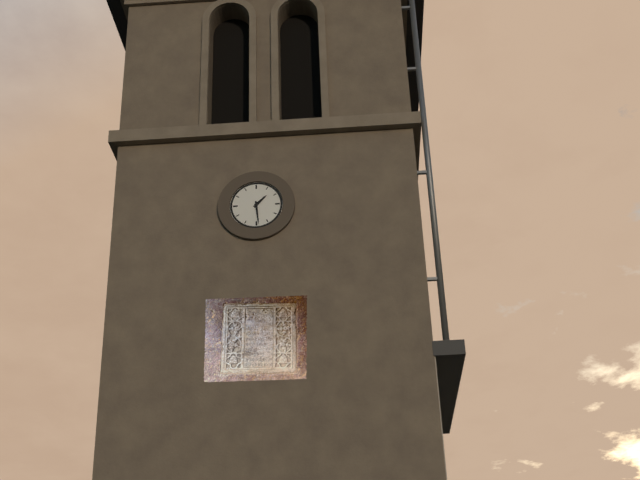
1:29
